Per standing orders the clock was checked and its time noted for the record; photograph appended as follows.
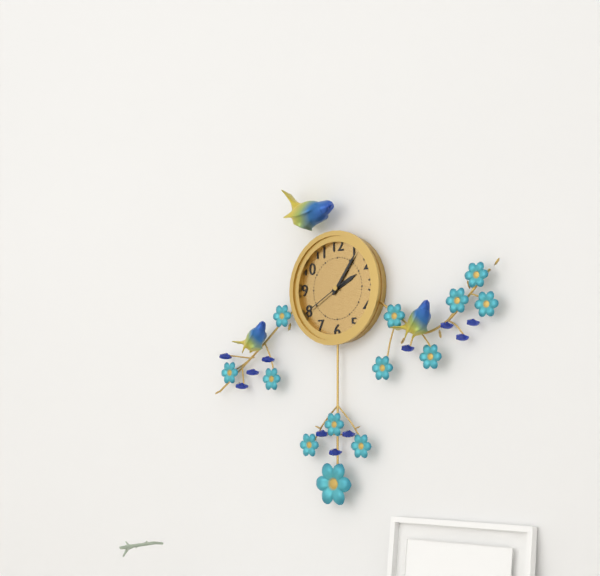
2:06
